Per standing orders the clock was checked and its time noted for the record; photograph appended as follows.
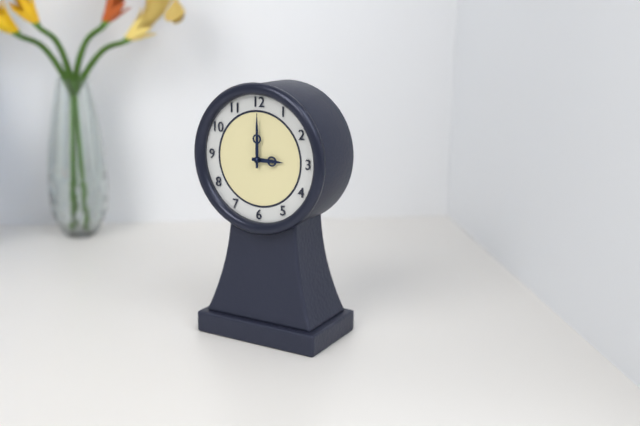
3:00
